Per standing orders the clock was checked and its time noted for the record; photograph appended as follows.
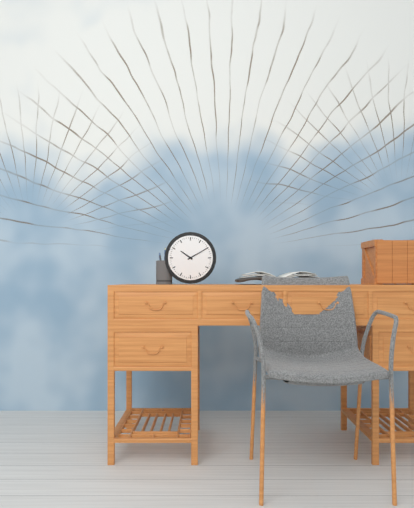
10:10
